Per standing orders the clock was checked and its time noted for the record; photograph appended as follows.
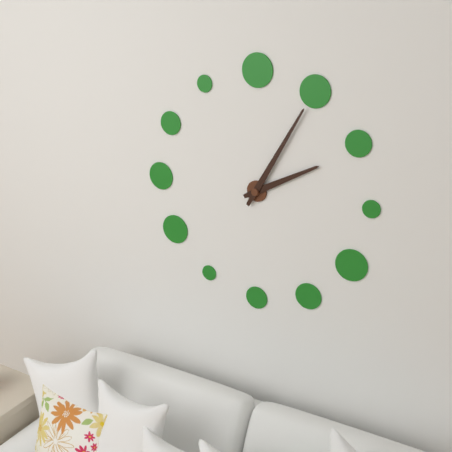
2:05
